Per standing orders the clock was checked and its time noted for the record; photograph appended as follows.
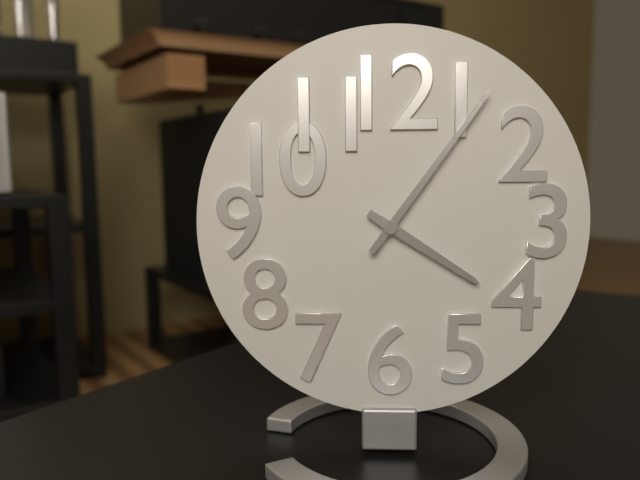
4:06
